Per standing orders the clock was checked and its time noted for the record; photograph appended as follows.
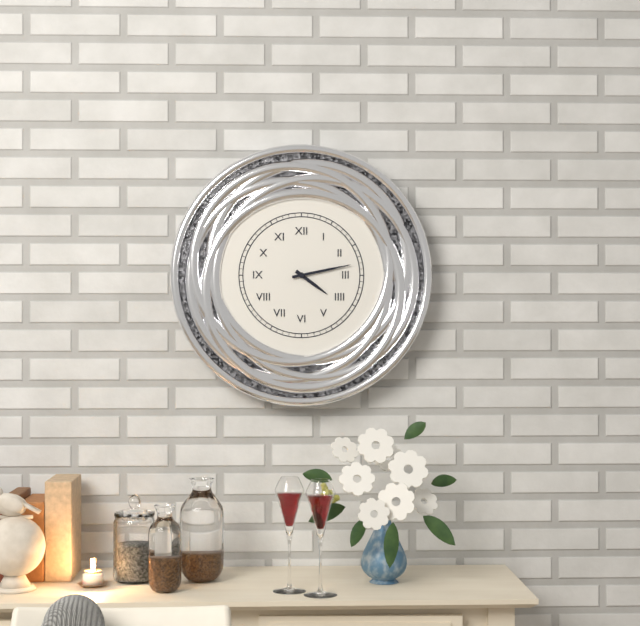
4:13
